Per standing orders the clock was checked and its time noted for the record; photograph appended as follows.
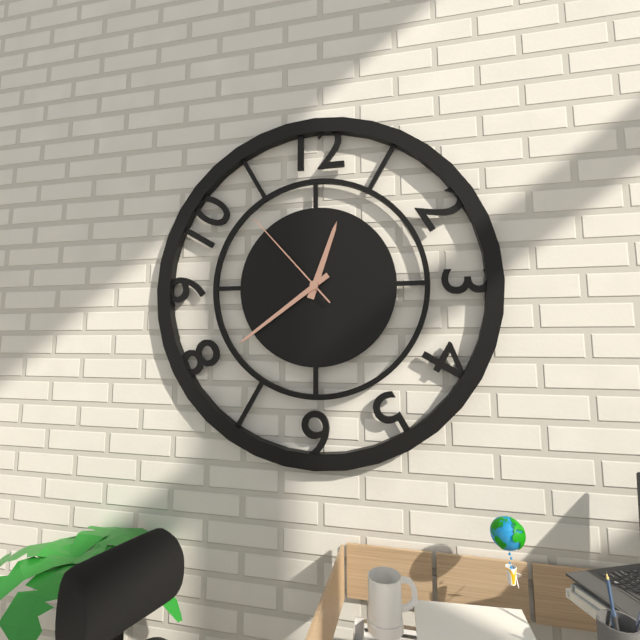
12:39:53
